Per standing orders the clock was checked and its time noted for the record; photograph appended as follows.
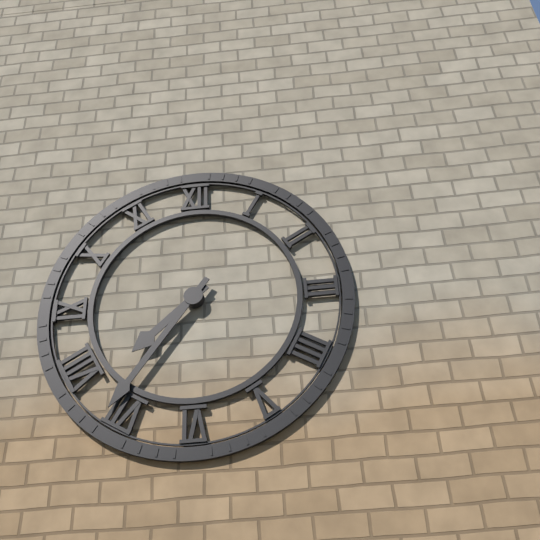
7:36
